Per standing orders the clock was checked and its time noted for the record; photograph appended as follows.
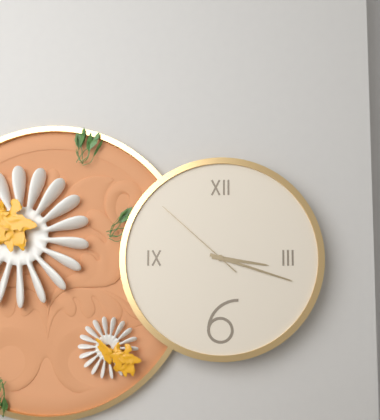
3:18:52
